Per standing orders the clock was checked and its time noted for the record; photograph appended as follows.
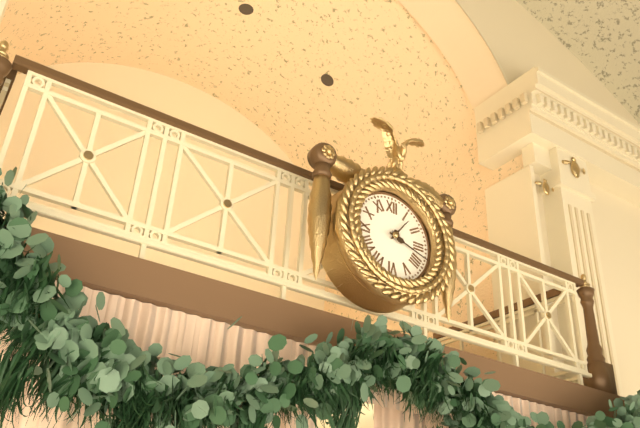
1:18
